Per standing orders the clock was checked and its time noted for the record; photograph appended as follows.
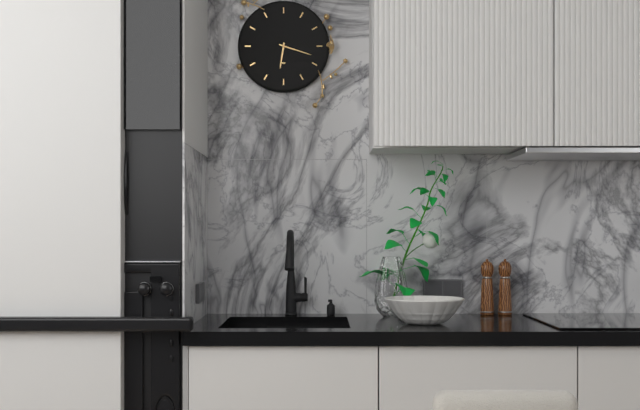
6:18
